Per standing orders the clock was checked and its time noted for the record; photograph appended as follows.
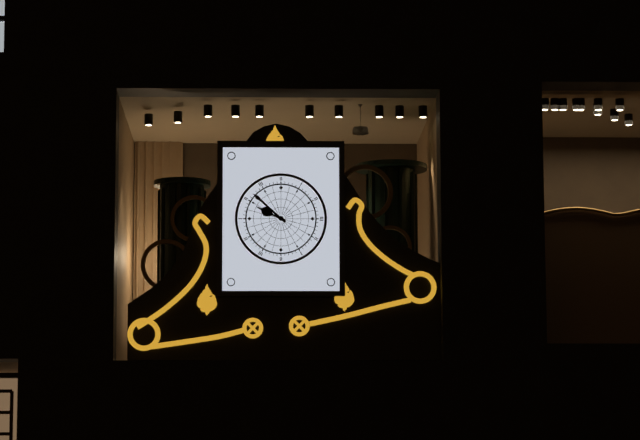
9:52
